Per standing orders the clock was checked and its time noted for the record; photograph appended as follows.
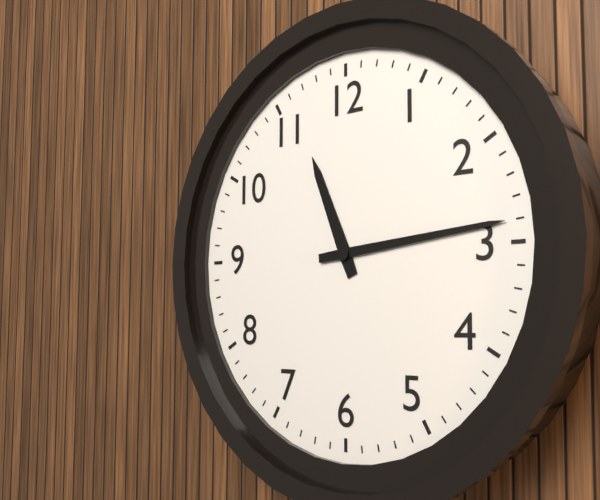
11:14
